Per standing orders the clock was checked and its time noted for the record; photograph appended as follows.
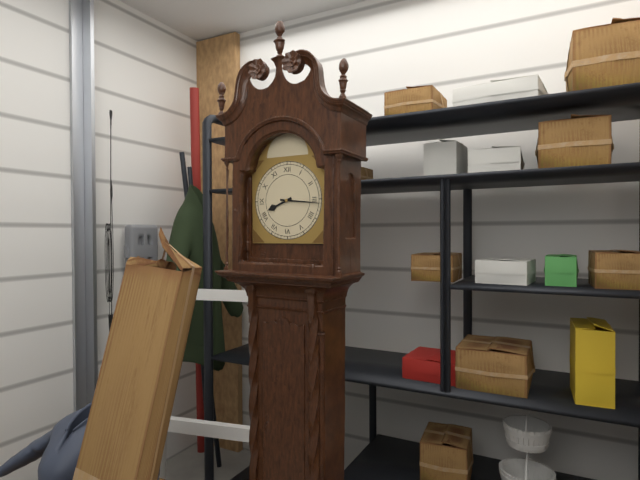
8:16
